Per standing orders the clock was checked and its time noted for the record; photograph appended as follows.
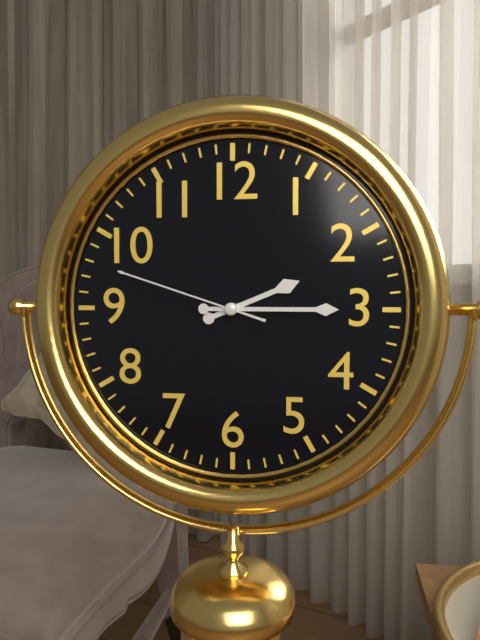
2:15:48
